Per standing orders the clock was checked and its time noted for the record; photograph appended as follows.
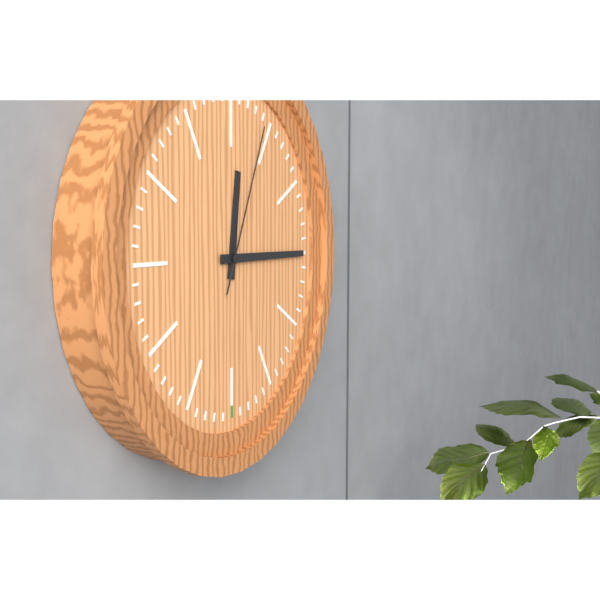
12:15:04
